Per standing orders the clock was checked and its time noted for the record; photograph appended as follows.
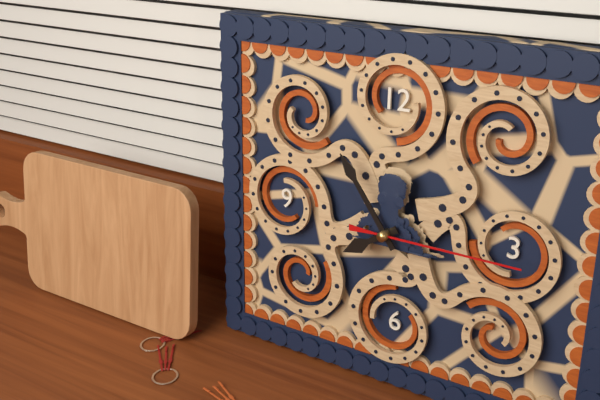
7:54:15
